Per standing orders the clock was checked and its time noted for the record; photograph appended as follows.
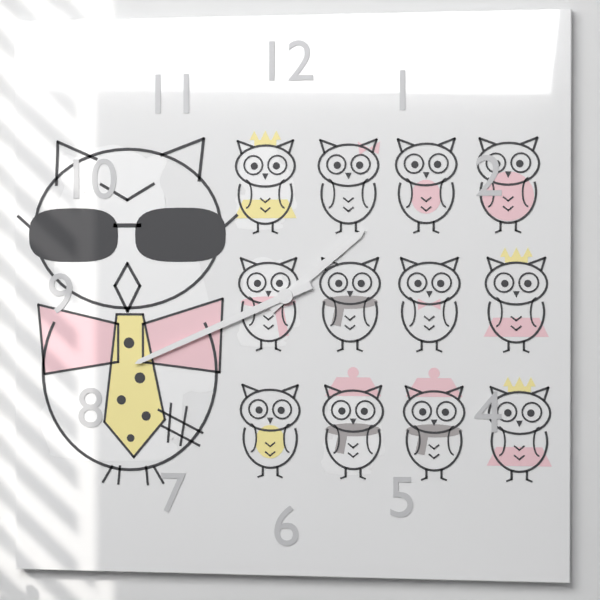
1:41
